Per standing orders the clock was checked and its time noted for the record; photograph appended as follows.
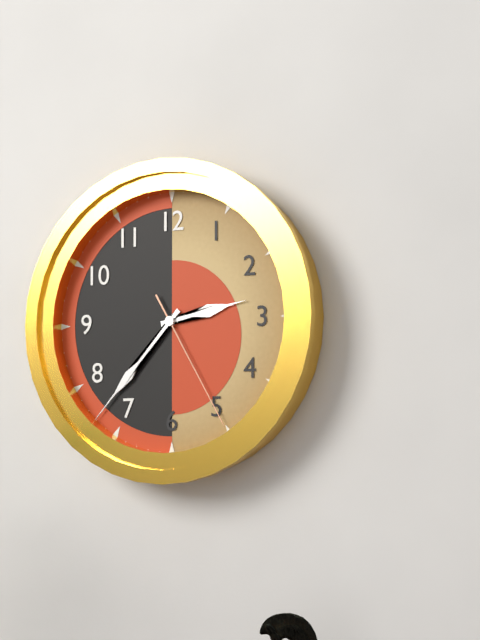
2:37:25
